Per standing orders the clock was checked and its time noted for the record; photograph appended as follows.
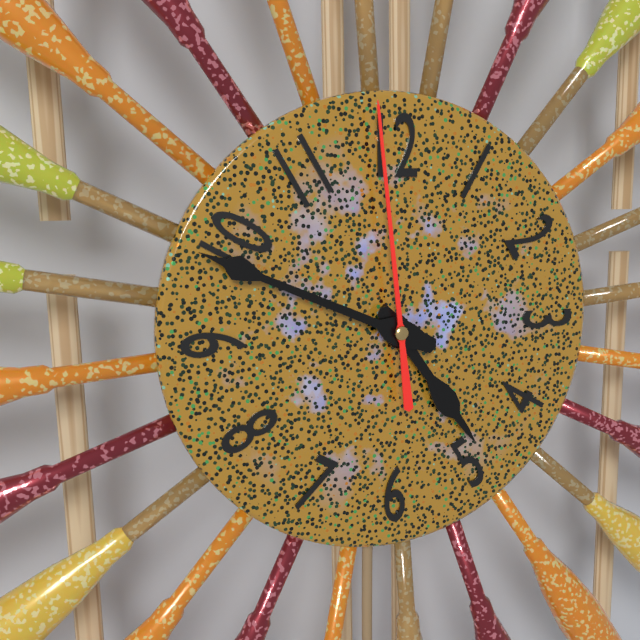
4:49:59
